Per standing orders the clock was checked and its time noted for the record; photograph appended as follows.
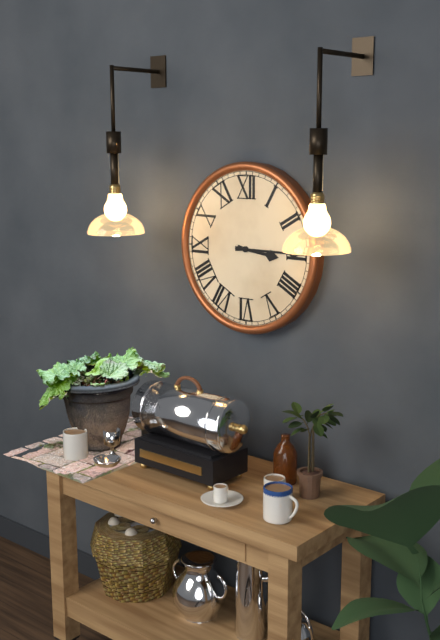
3:15
